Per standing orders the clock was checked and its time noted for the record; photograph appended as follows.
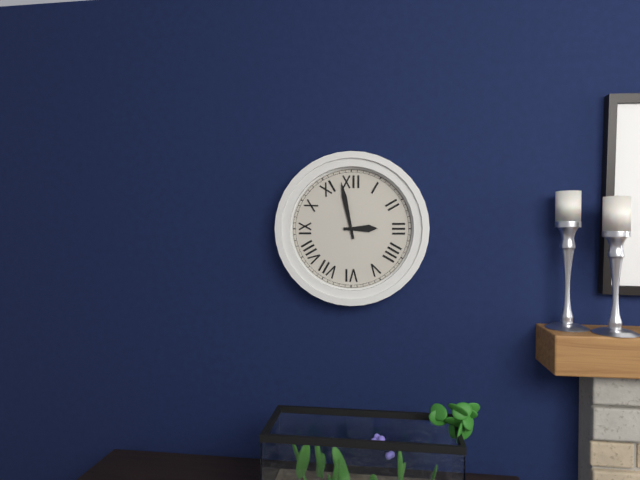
2:58
